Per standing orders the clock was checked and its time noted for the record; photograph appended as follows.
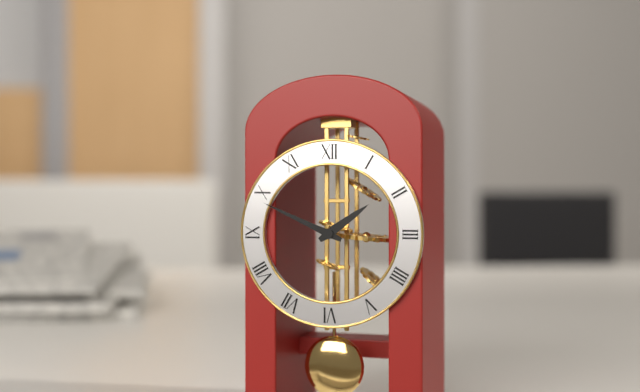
1:49
